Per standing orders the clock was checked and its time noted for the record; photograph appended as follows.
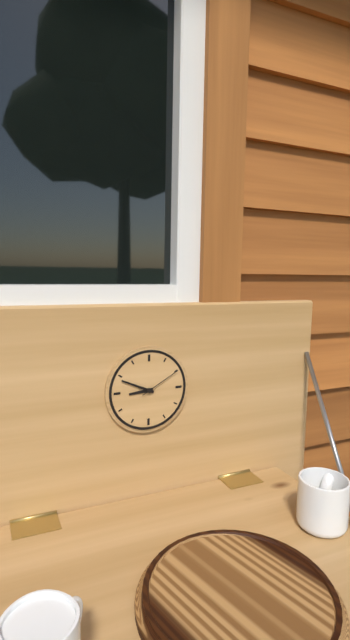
8:49
